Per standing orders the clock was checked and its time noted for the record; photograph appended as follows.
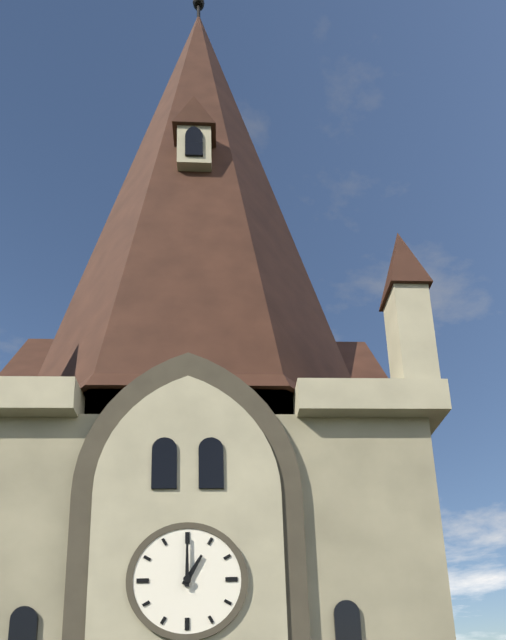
1:00
